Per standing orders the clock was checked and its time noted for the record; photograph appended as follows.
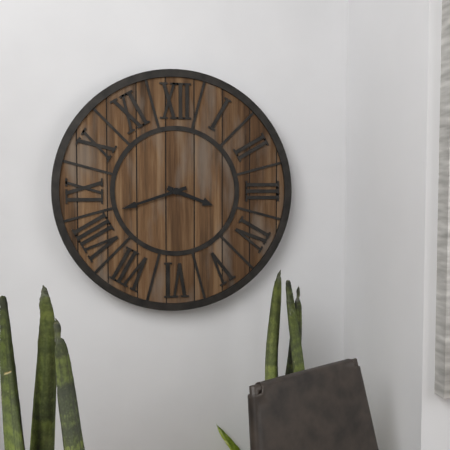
3:42
